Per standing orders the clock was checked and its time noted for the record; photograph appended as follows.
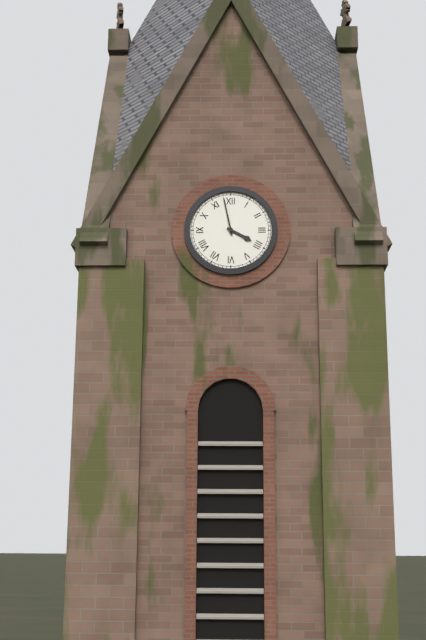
3:58
